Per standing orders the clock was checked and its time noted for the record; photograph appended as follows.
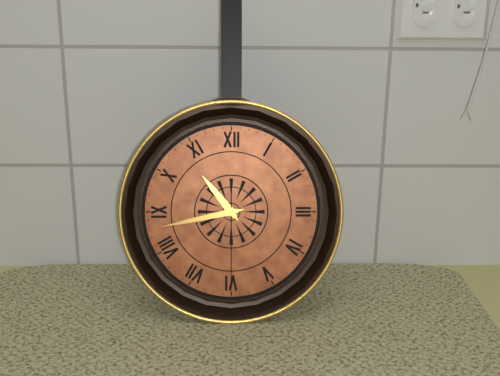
10:43:30
